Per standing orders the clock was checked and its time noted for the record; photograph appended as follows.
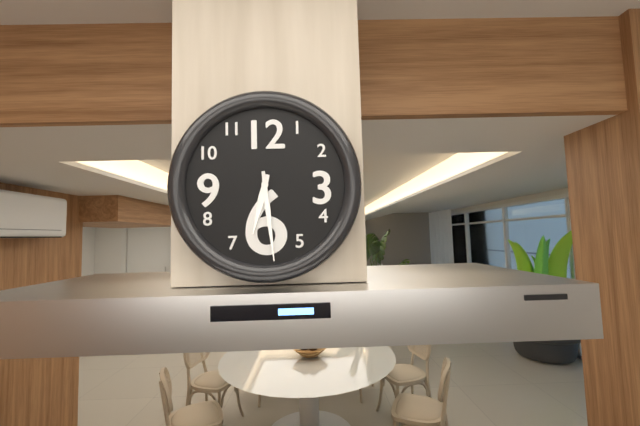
6:29
